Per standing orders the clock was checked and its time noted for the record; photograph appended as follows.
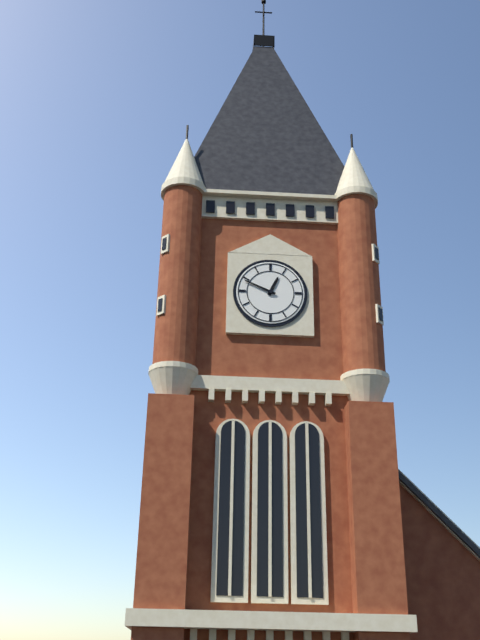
12:49
